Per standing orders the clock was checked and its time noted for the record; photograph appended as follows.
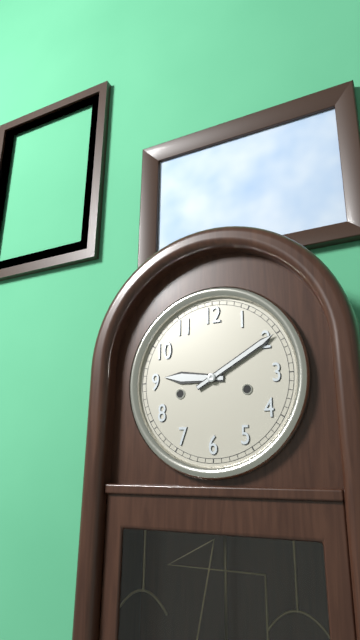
9:10
